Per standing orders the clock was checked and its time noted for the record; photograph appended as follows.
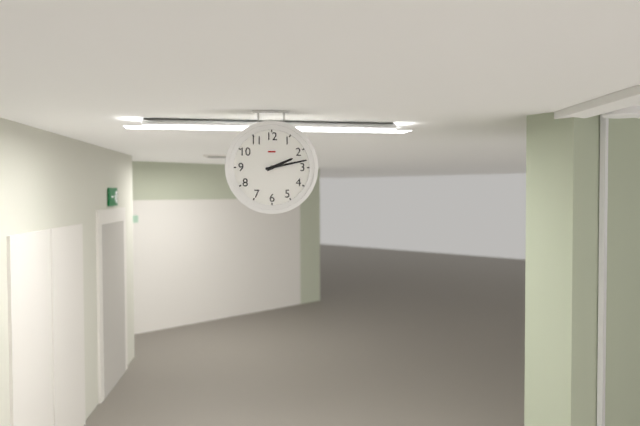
2:13
